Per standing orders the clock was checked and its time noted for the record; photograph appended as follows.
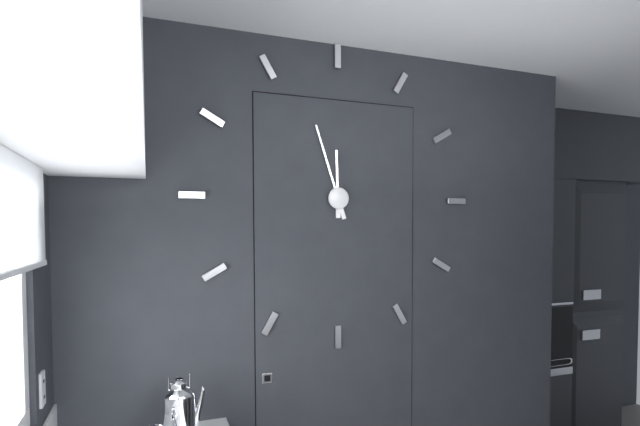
11:57
